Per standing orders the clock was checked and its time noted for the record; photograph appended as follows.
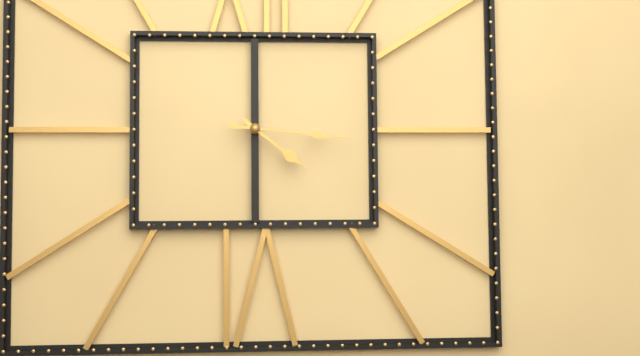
4:16
